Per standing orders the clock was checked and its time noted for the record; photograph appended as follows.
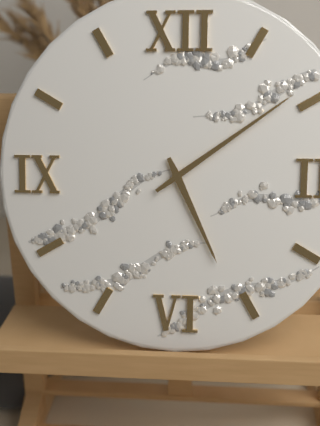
5:09
